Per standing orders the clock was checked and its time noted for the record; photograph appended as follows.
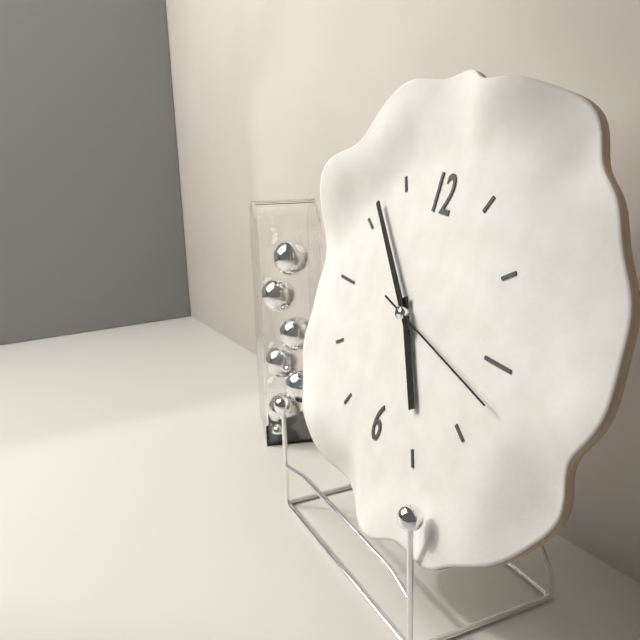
4:52:17
